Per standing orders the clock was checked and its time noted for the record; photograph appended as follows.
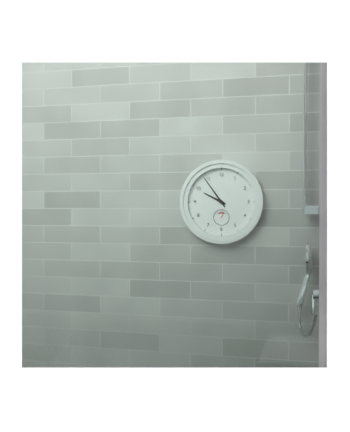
9:54
